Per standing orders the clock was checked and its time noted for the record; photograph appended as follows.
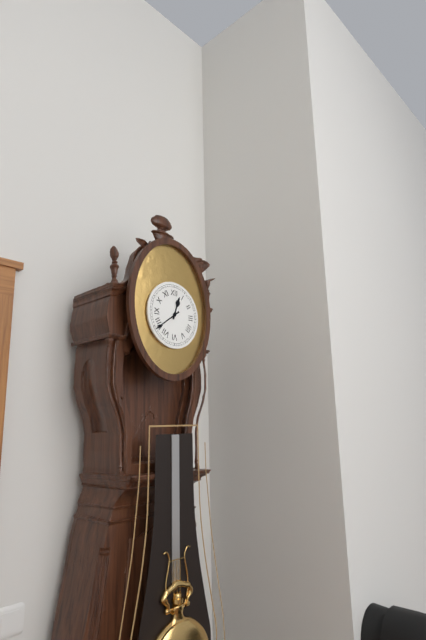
12:39
